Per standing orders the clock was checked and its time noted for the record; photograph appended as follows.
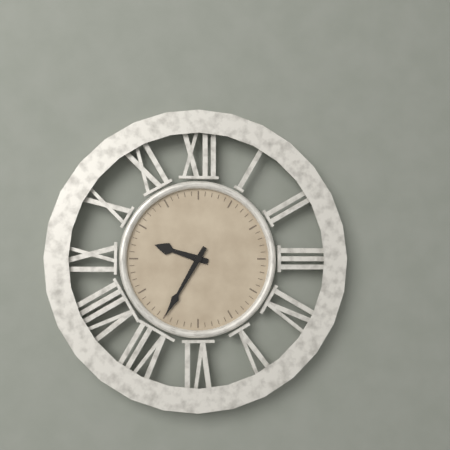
9:35
